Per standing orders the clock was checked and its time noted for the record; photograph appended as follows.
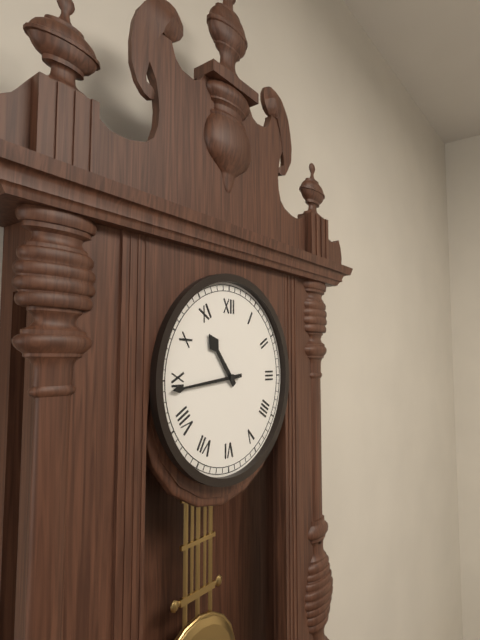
10:44
